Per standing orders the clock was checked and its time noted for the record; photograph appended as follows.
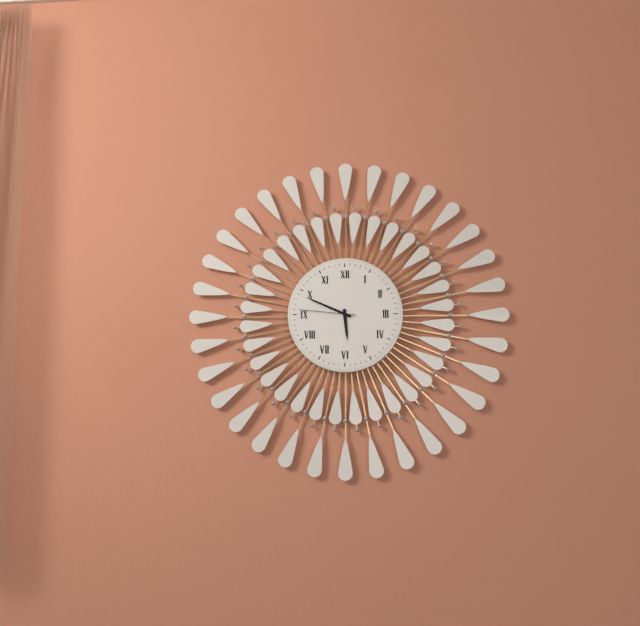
5:49:46
